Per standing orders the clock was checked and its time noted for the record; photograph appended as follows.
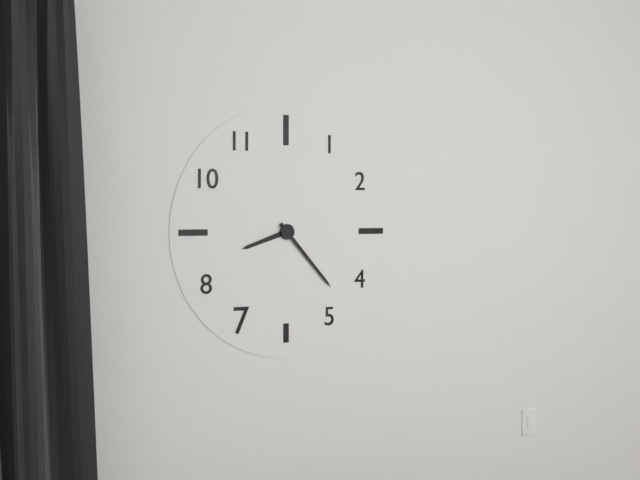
8:23
